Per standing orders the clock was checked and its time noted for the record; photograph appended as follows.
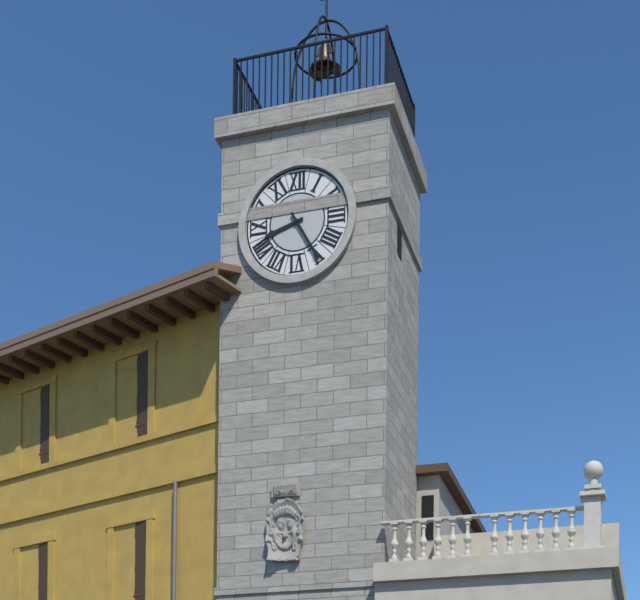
8:25
